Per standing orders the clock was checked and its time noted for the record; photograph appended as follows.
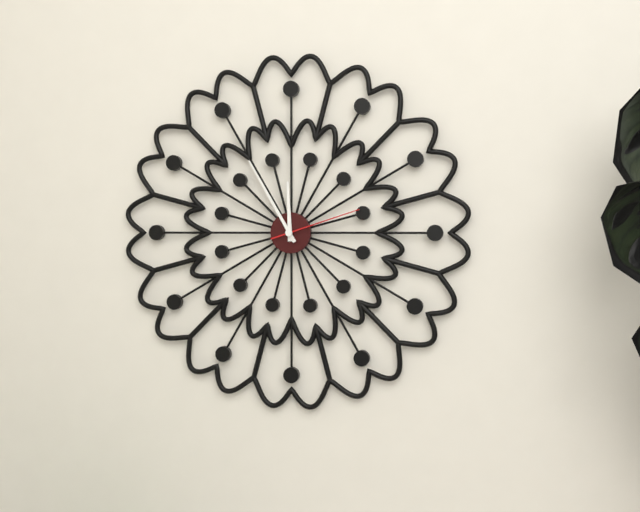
11:55:12
